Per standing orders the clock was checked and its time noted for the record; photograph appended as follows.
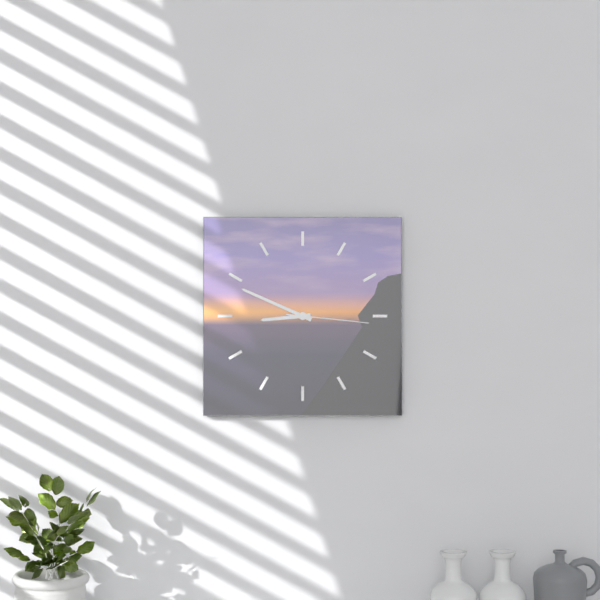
8:49:16
